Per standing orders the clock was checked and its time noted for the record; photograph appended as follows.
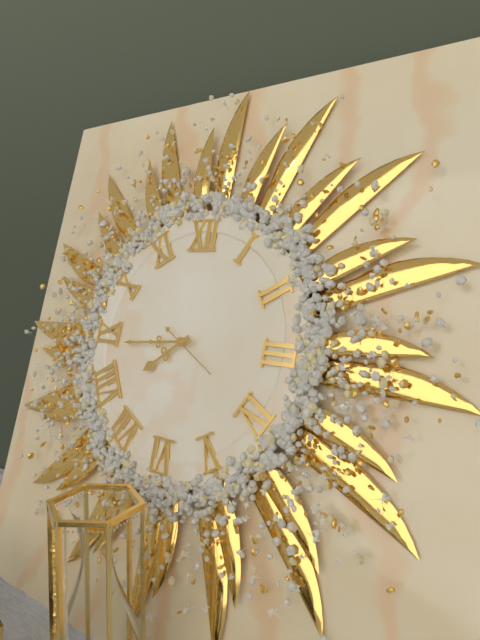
7:44:20
